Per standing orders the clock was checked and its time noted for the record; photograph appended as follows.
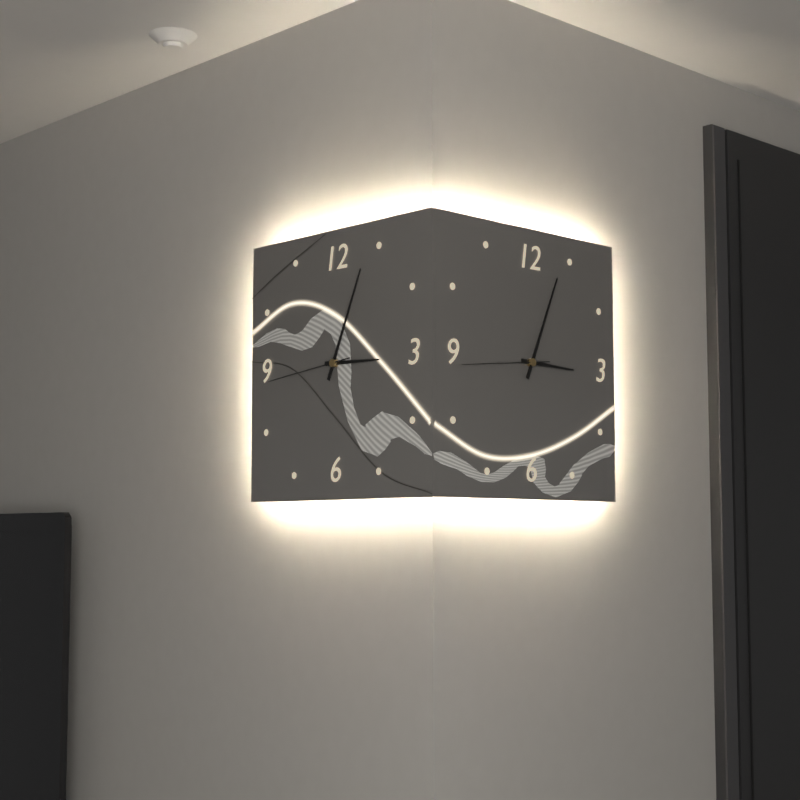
3:04:44
